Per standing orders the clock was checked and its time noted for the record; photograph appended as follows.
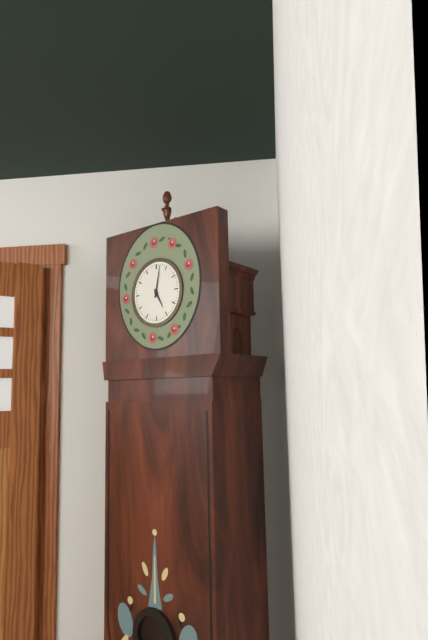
5:02
